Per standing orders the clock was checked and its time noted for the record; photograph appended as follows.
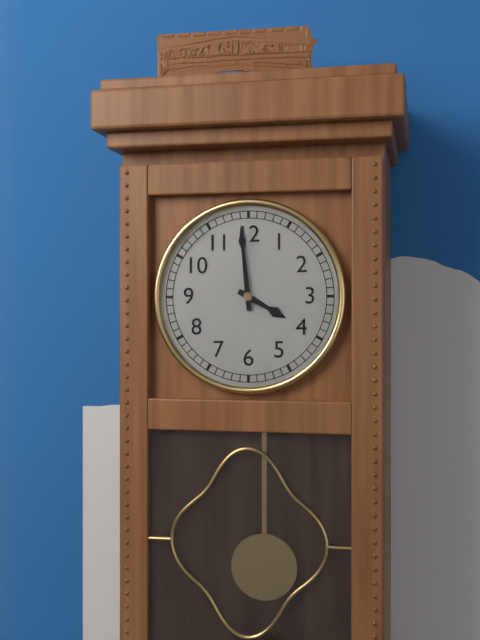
3:59
